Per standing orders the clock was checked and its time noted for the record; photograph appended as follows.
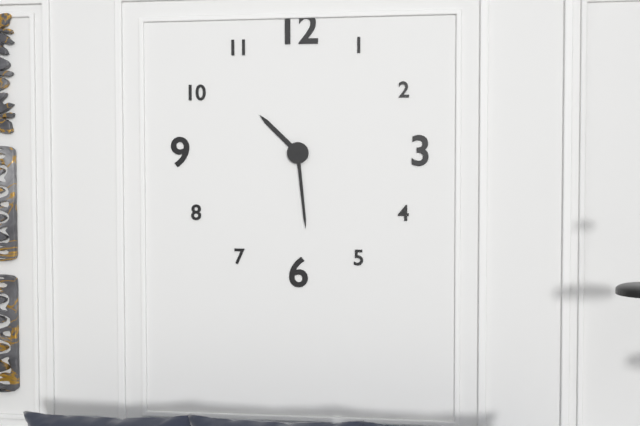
10:29
